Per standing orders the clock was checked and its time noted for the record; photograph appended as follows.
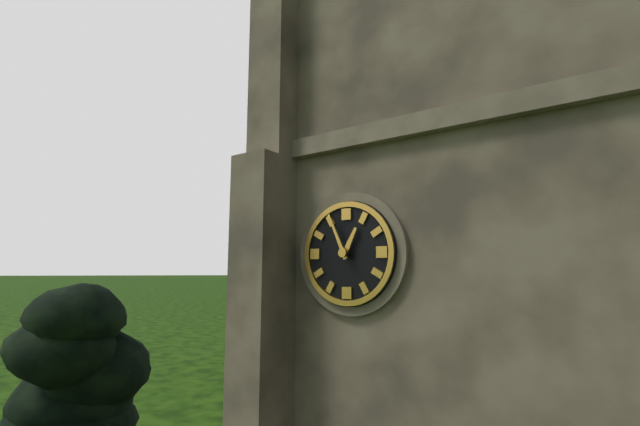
12:56
